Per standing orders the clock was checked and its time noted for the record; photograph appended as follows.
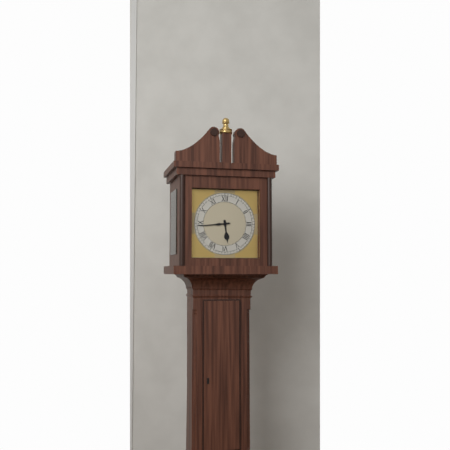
5:44
